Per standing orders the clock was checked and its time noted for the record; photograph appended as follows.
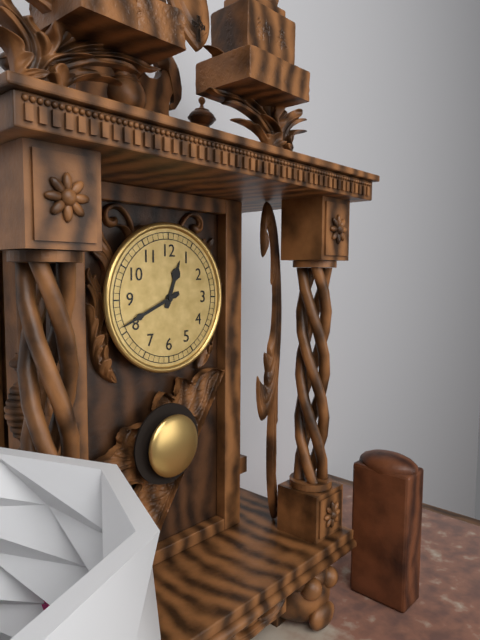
12:41
